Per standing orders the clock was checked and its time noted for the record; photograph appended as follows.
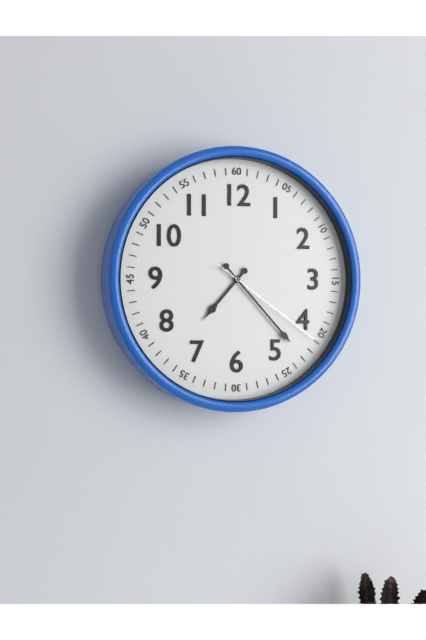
7:23:21
